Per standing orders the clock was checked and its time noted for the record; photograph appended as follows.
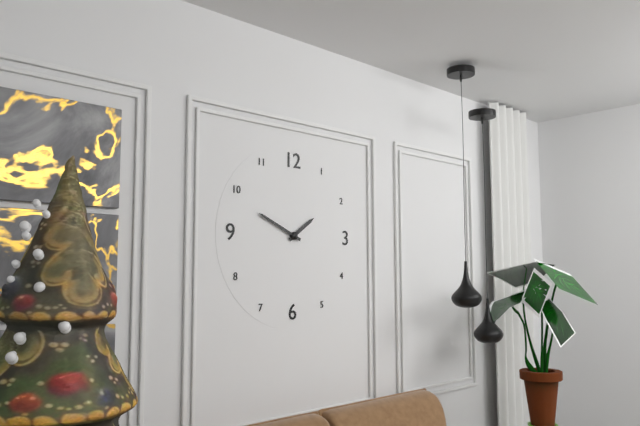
1:49
